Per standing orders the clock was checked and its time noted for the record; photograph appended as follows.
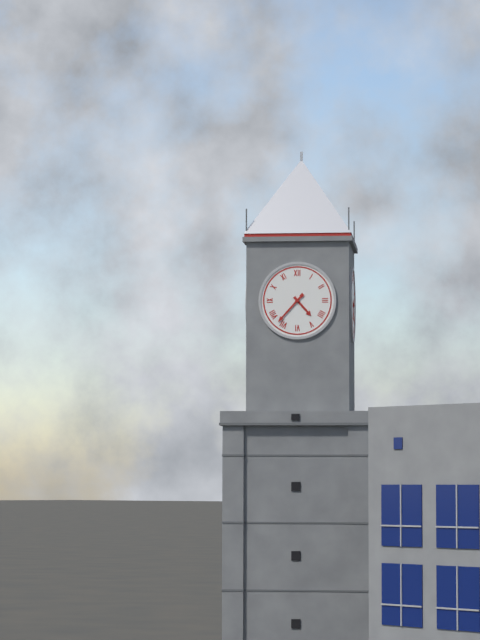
4:37
